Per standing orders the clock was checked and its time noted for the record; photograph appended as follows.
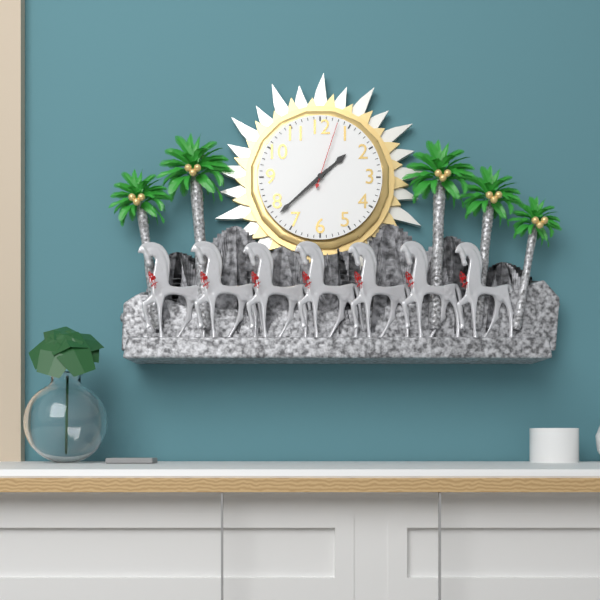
1:38:03
